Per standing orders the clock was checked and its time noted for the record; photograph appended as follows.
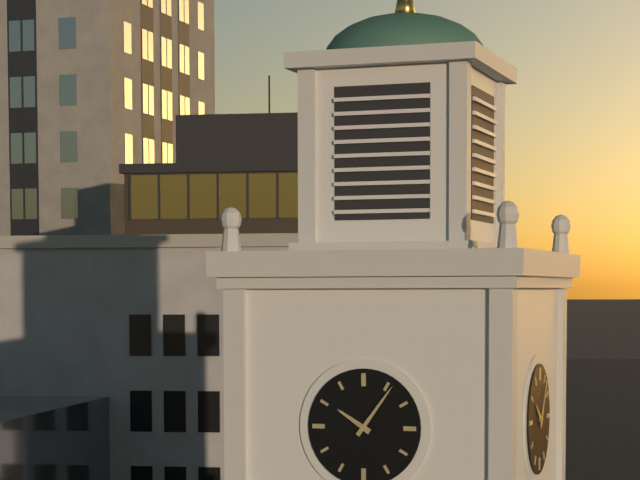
10:06
